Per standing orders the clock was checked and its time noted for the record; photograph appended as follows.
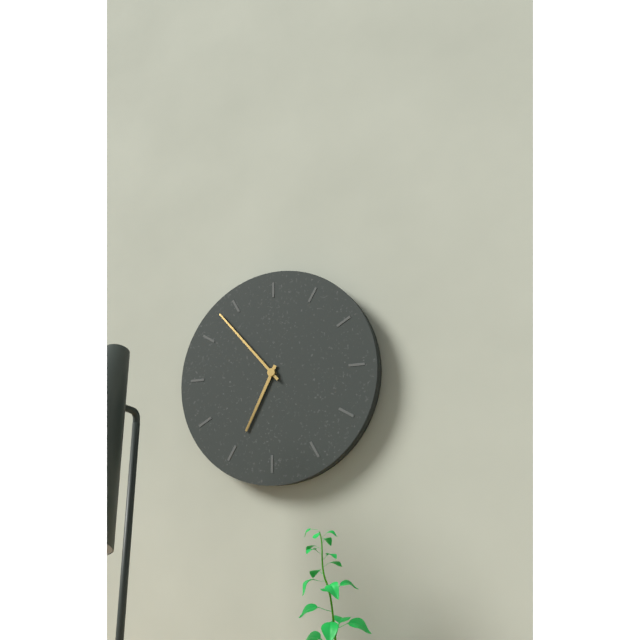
6:53
